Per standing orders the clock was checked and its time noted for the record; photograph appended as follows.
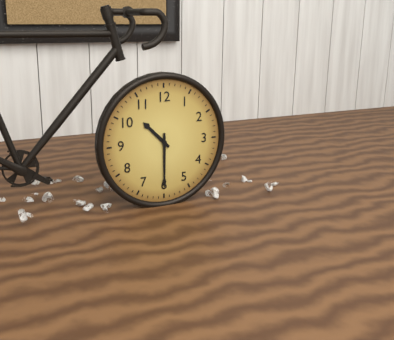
10:30
